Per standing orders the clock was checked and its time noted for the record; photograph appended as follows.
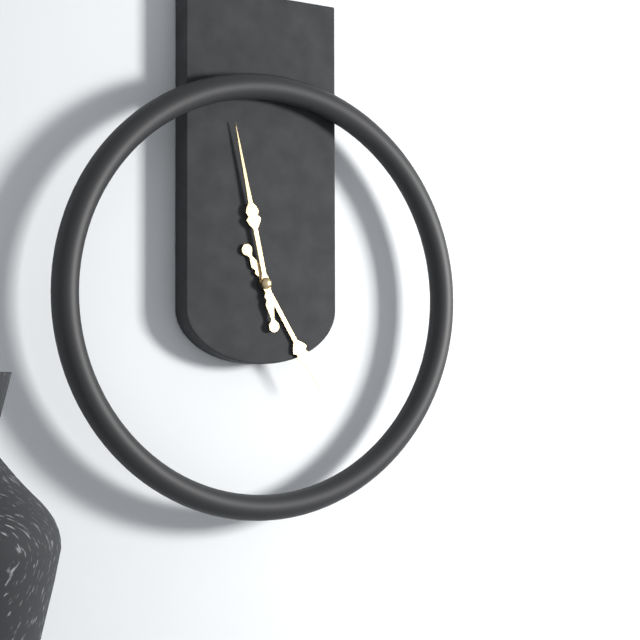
4:58
